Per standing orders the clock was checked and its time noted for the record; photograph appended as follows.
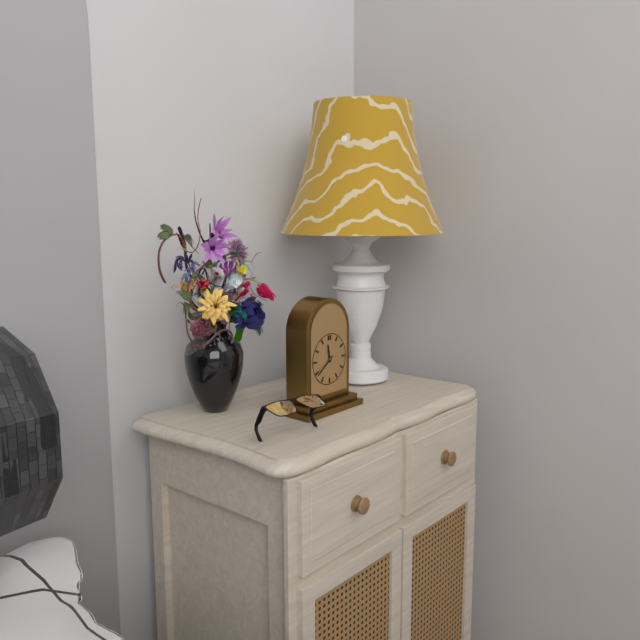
11:39
